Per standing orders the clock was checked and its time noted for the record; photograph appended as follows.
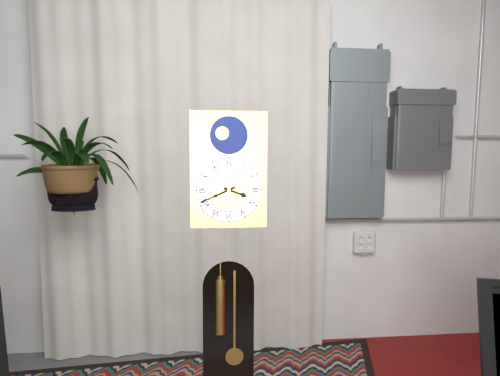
3:41
